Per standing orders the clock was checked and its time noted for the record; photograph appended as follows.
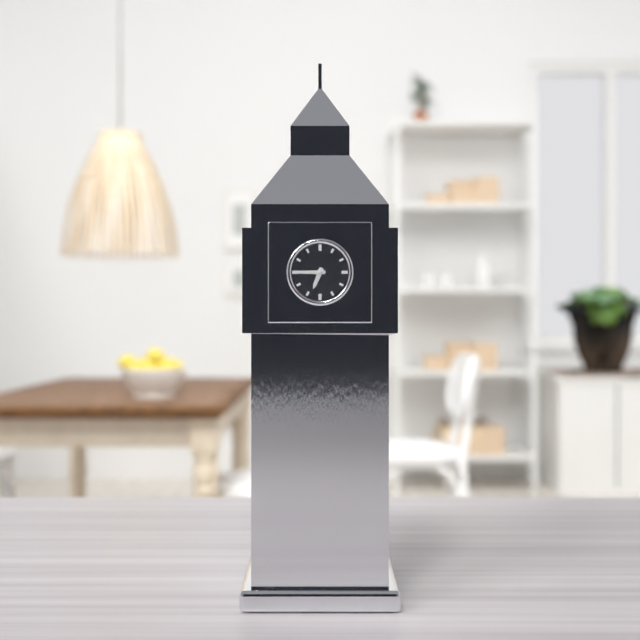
6:45
